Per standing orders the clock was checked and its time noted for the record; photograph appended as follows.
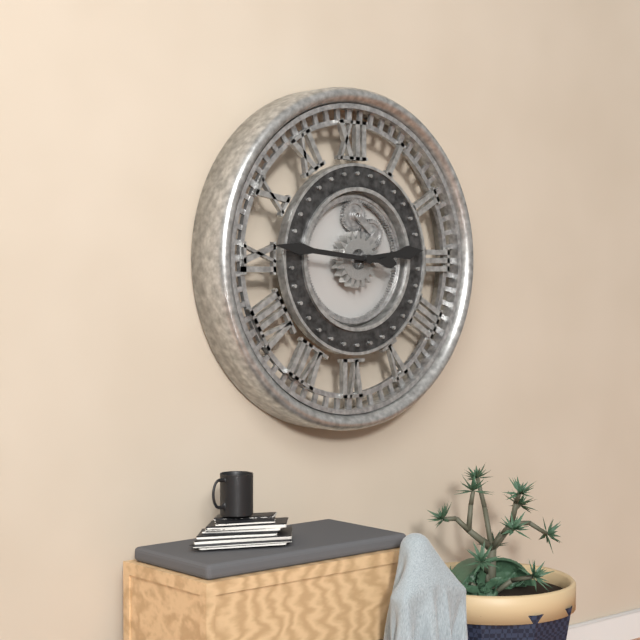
2:46
